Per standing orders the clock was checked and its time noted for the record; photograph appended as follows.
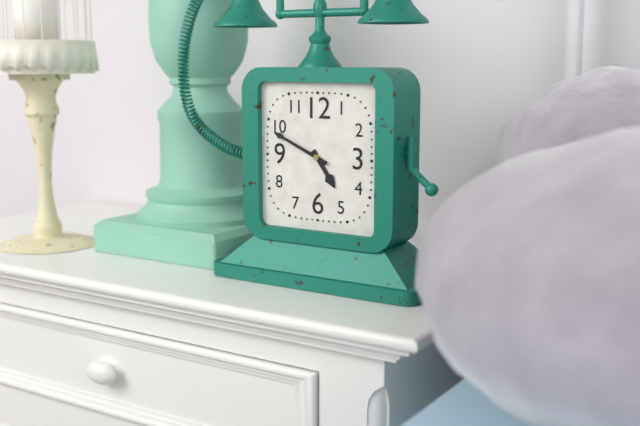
4:49
